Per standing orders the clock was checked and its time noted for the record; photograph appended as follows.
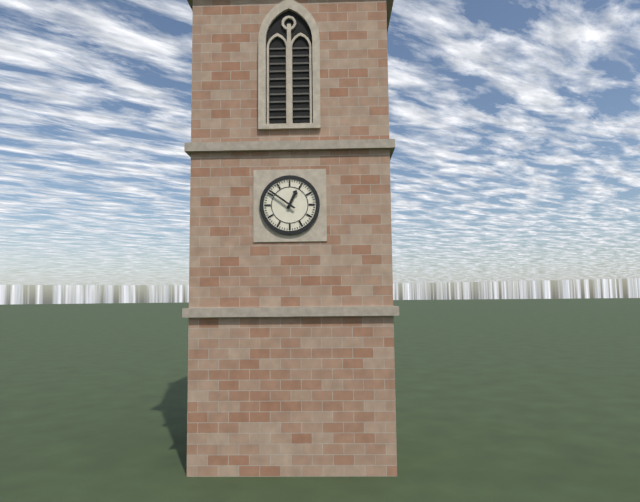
12:51
